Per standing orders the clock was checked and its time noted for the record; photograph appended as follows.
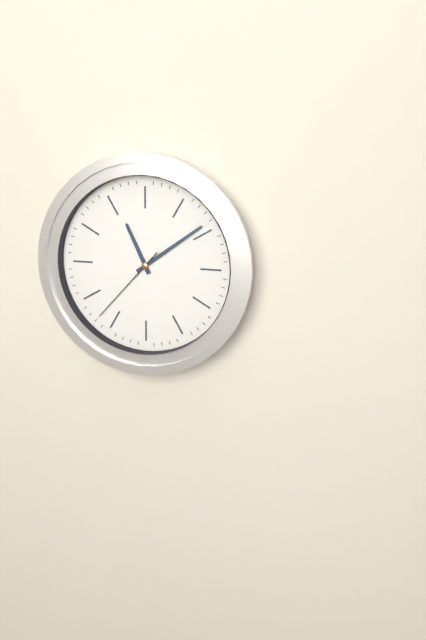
11:09:37
